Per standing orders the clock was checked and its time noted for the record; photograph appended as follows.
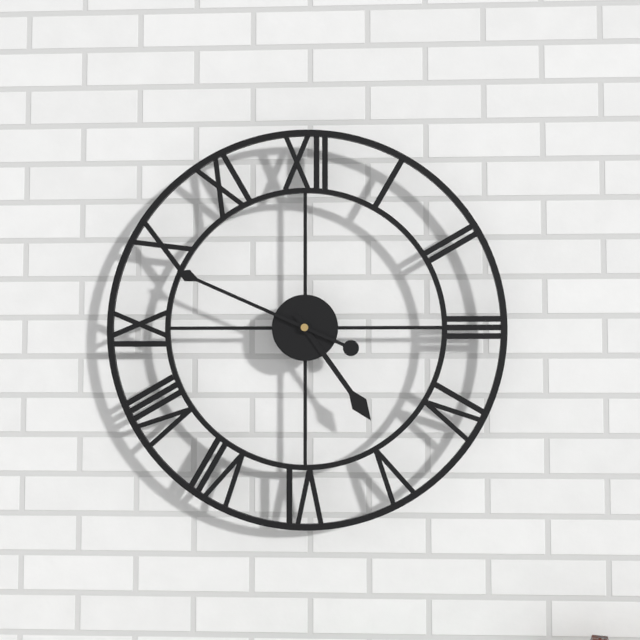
4:49
